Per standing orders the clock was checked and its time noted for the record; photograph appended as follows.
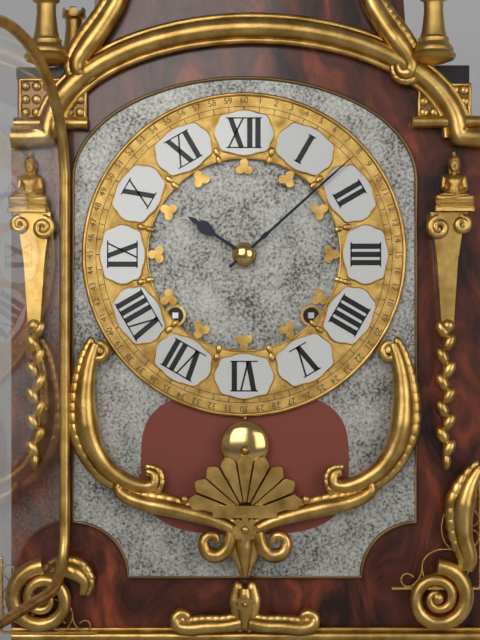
10:08
